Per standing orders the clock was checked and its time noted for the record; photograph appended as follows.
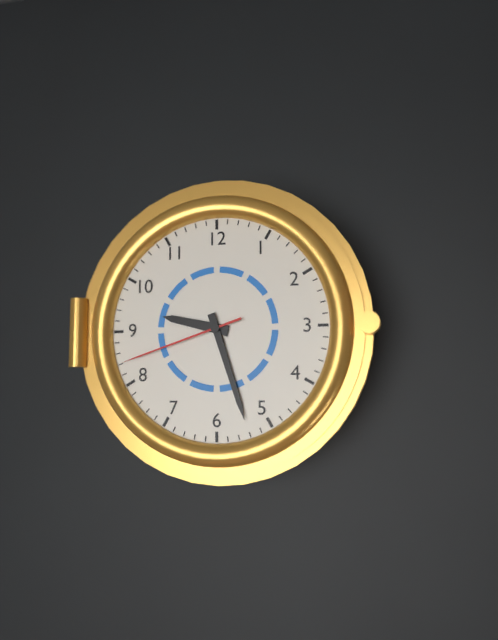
9:27:42
